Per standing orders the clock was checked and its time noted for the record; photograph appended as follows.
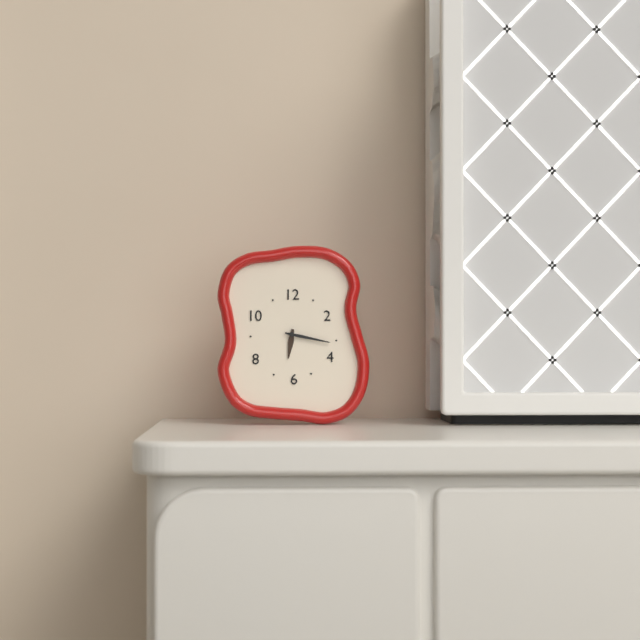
6:17
